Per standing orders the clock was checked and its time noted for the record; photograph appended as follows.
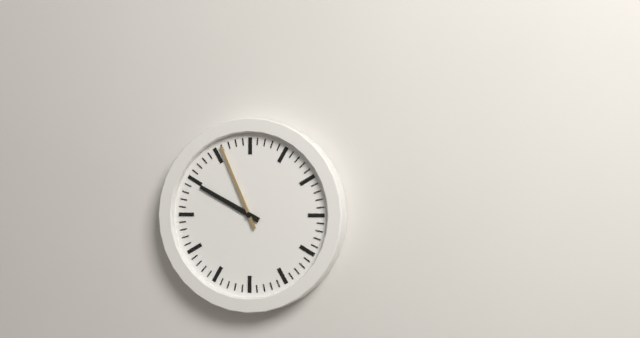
9:56
